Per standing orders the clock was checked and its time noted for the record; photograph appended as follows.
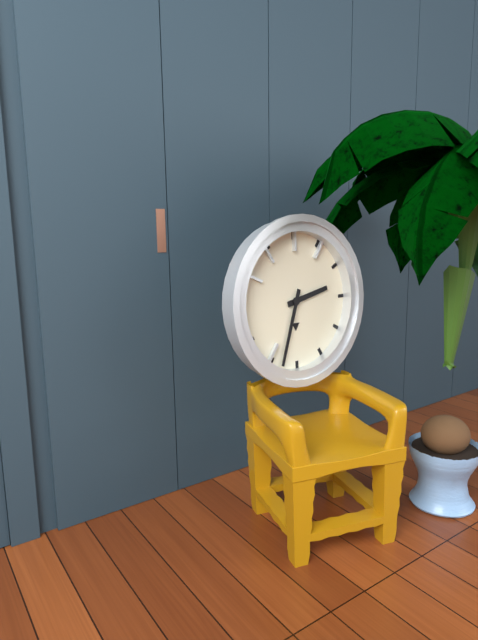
2:33
